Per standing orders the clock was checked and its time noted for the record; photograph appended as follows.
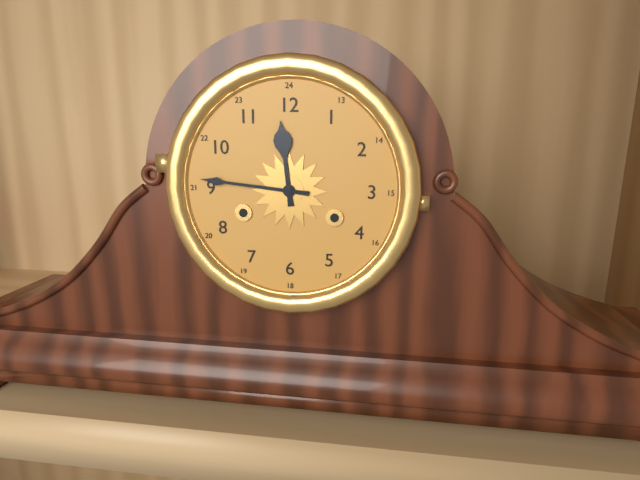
11:46
